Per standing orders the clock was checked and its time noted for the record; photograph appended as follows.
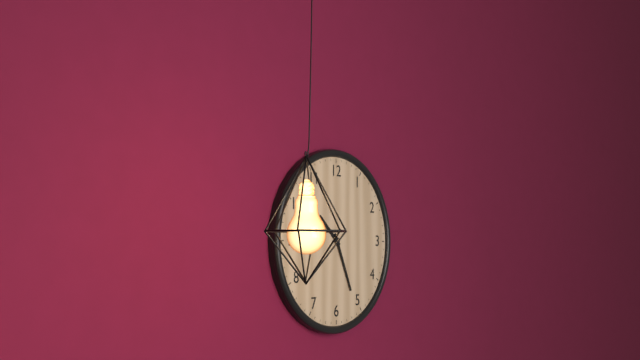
10:26
